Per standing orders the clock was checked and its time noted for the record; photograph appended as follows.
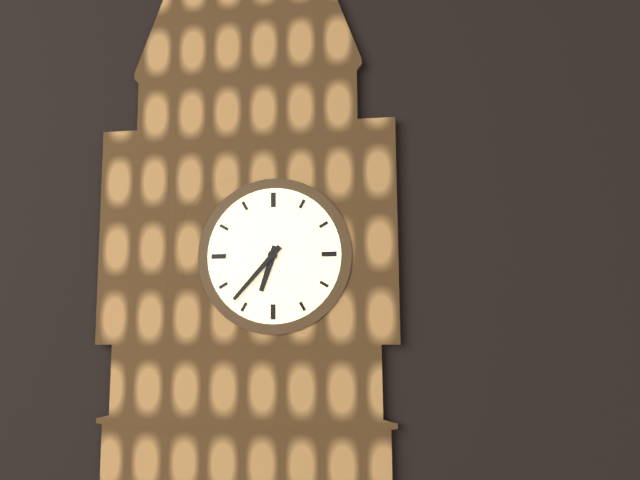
6:37
